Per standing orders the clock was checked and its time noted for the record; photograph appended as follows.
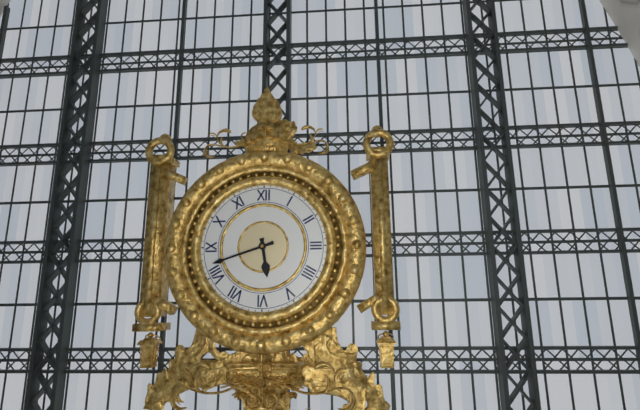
5:42
